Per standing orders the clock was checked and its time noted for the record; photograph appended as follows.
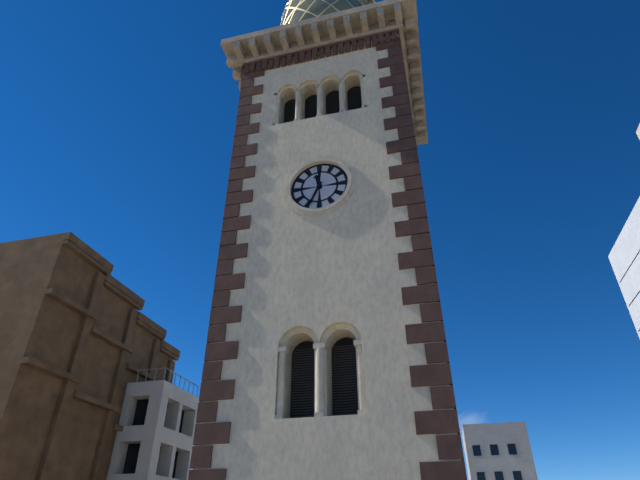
11:34
